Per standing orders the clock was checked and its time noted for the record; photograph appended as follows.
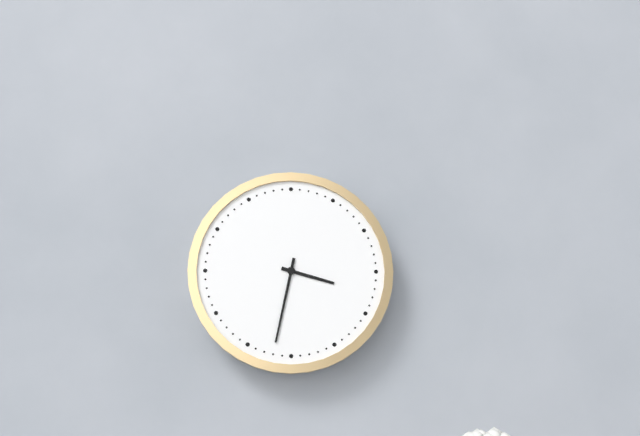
3:32
